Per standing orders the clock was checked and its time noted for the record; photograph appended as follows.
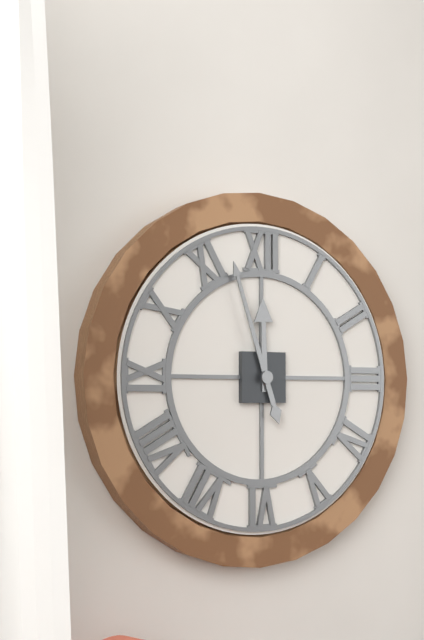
11:57
